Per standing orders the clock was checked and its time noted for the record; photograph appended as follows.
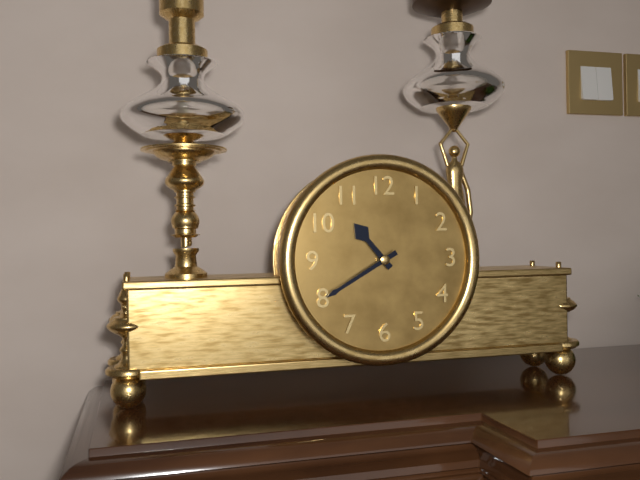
10:40
